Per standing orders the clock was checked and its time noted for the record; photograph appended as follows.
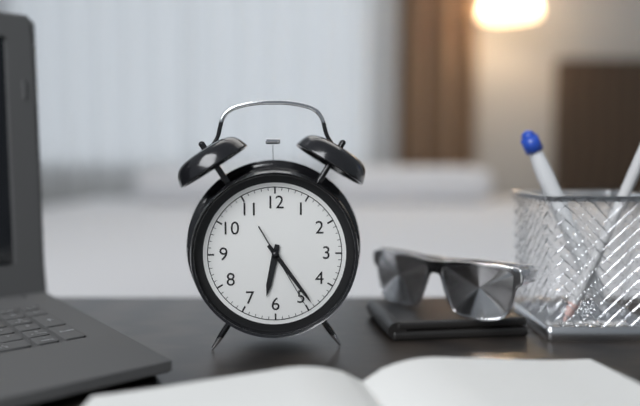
6:24:25
